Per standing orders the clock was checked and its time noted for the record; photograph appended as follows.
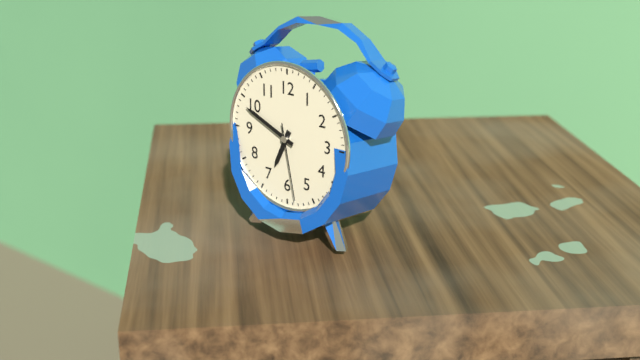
6:49:28
